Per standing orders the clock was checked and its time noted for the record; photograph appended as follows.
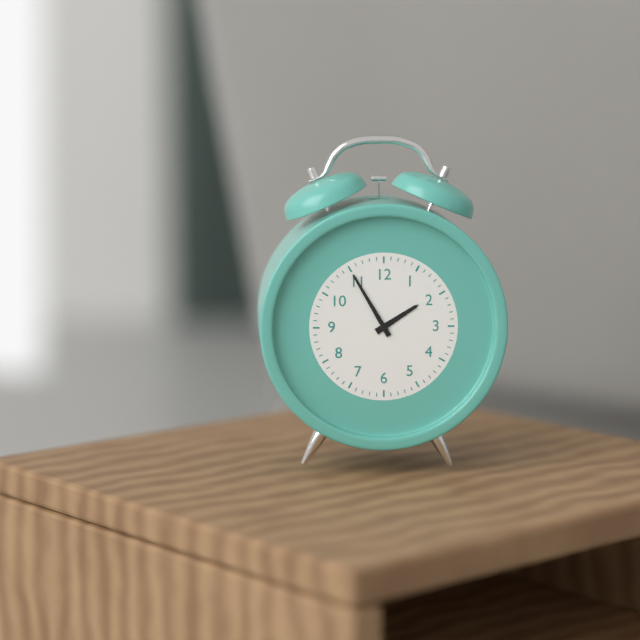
1:55
